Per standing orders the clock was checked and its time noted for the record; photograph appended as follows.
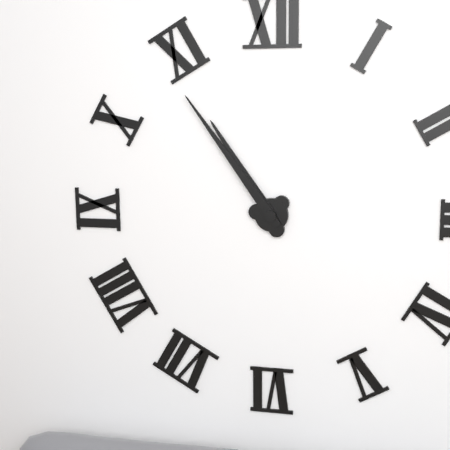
10:54
